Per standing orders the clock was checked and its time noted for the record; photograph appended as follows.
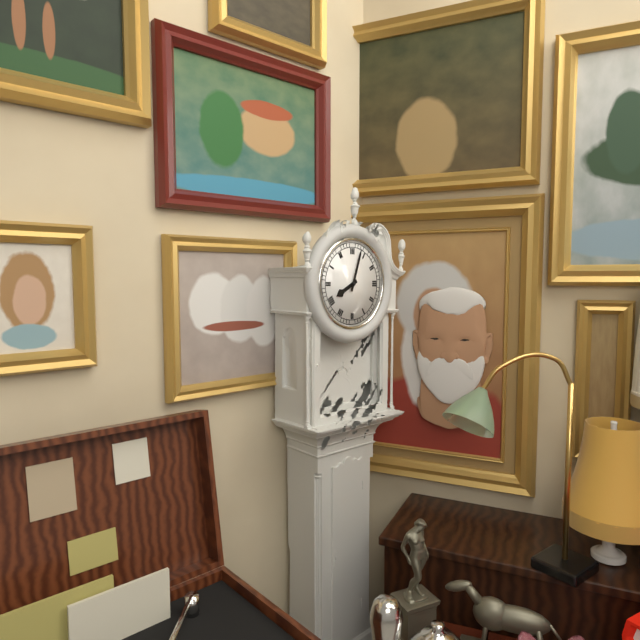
8:03
